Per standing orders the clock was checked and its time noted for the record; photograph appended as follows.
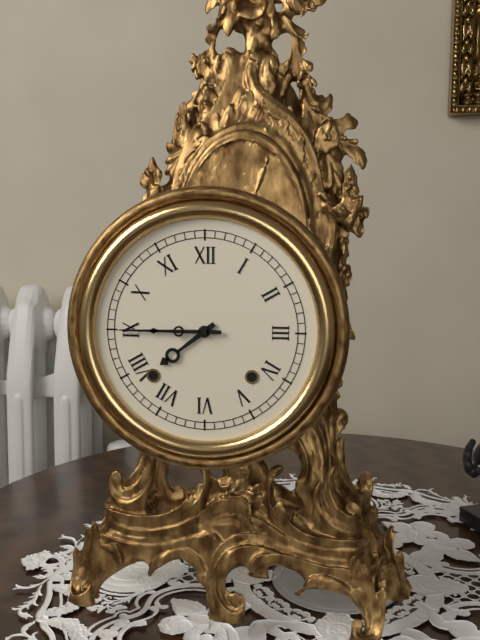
7:45
